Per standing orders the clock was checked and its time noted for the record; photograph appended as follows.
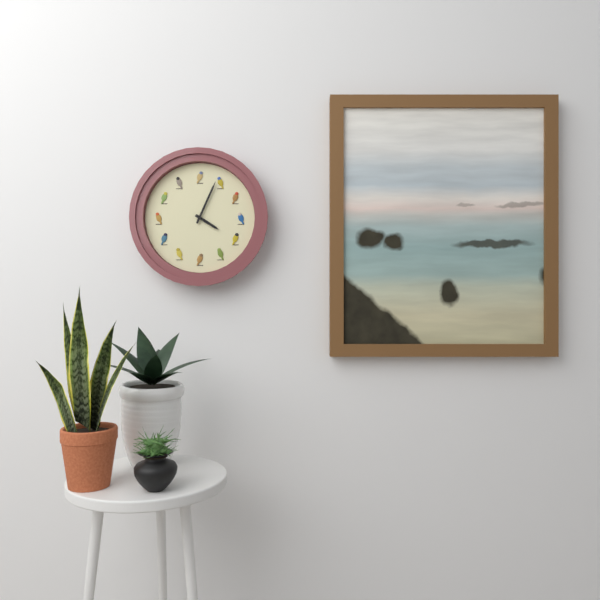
4:04
